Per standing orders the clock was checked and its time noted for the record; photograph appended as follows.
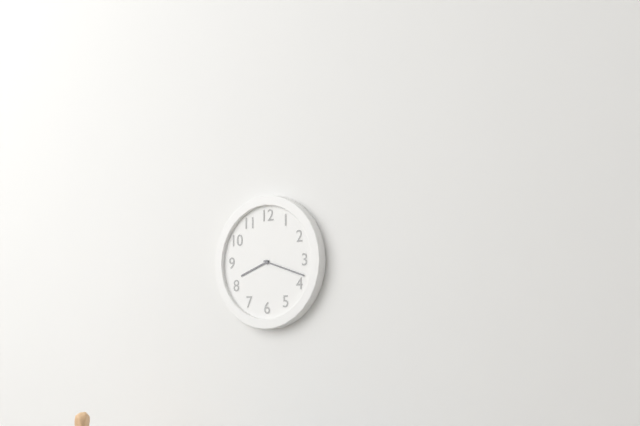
8:18
